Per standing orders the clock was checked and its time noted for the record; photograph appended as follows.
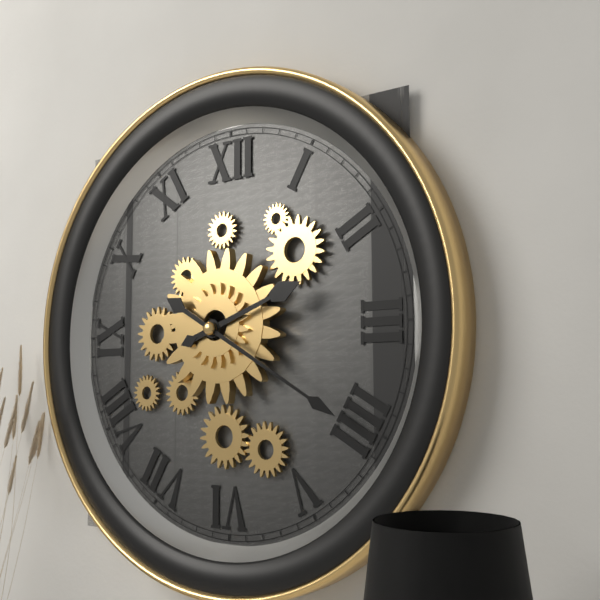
2:20
